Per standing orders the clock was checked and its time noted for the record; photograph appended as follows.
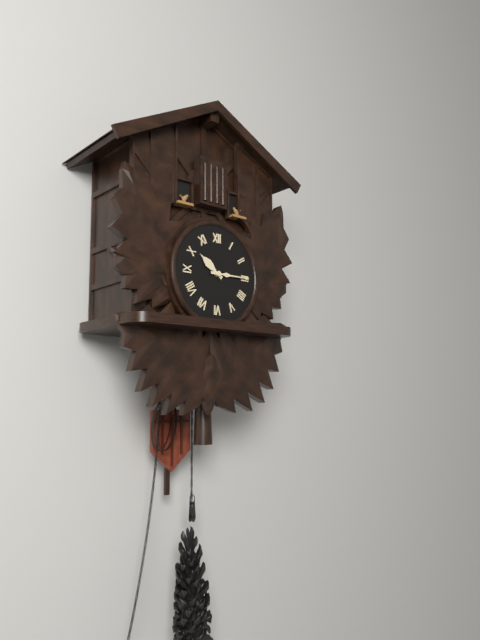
10:15
